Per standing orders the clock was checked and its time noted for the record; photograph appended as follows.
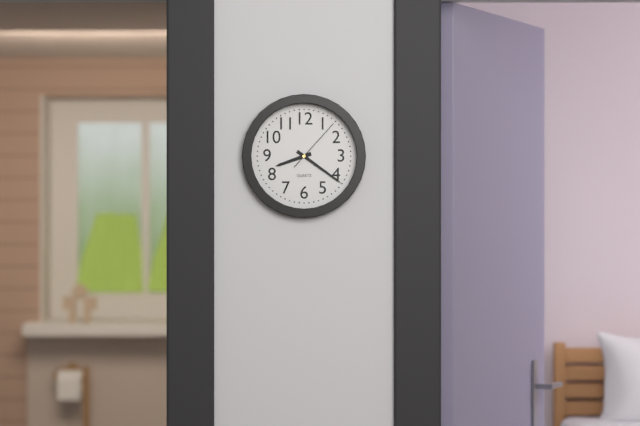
8:21:07
